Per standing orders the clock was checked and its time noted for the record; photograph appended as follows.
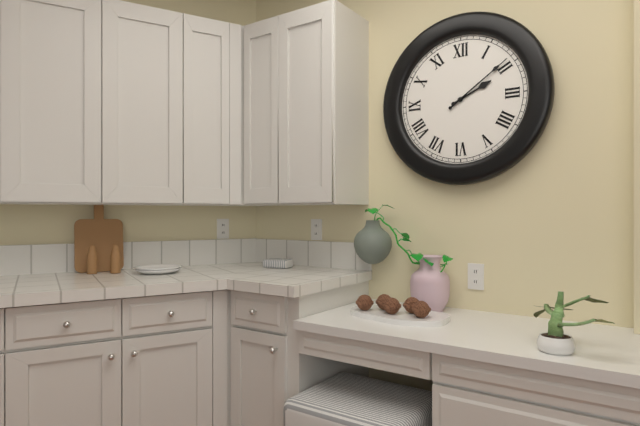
2:09
